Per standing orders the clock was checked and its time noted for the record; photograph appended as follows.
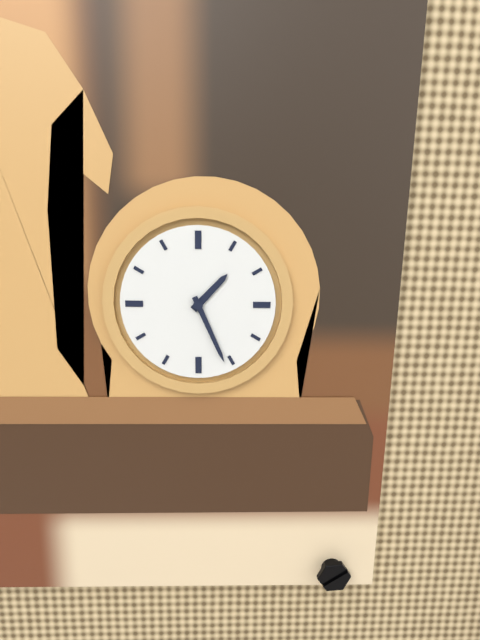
1:26
